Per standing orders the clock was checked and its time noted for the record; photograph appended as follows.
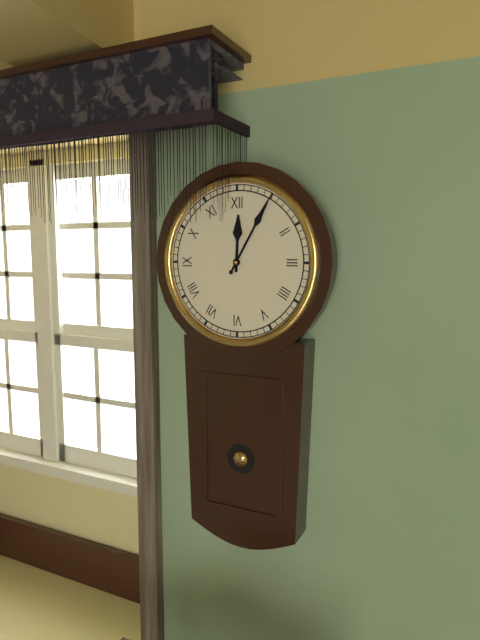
12:05
